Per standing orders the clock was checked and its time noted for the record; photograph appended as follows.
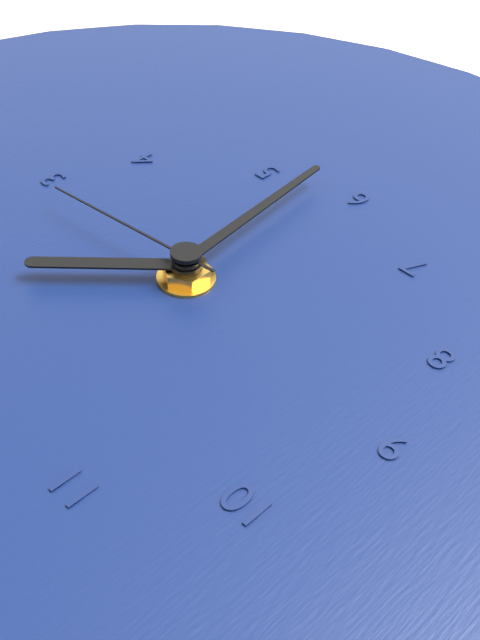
1:29:14
